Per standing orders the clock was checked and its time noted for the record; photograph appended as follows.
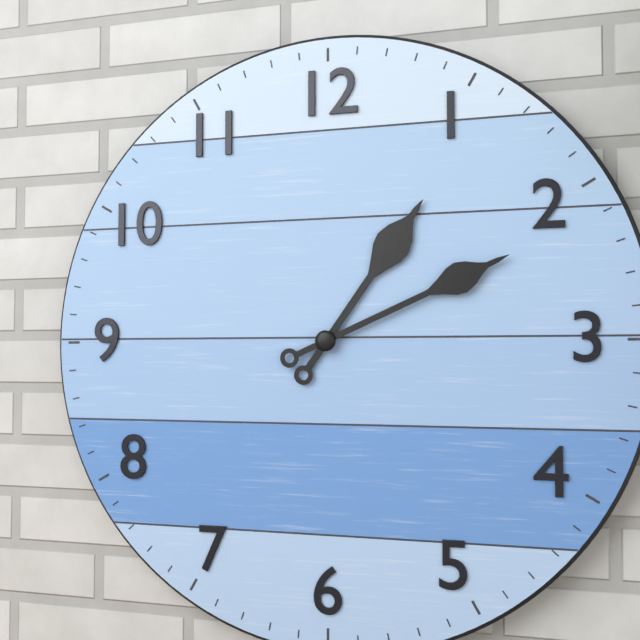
1:11
